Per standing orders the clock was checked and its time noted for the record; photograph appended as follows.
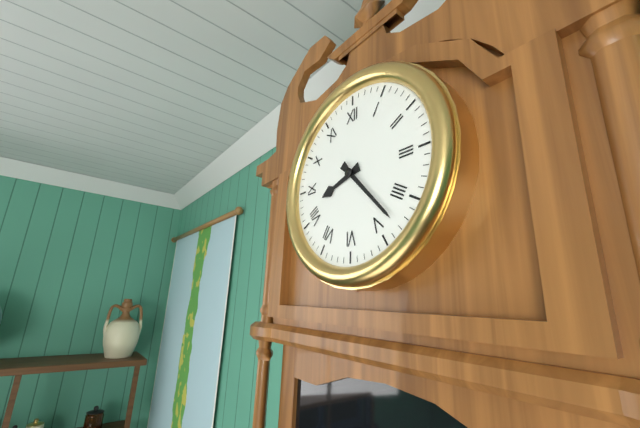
8:23
